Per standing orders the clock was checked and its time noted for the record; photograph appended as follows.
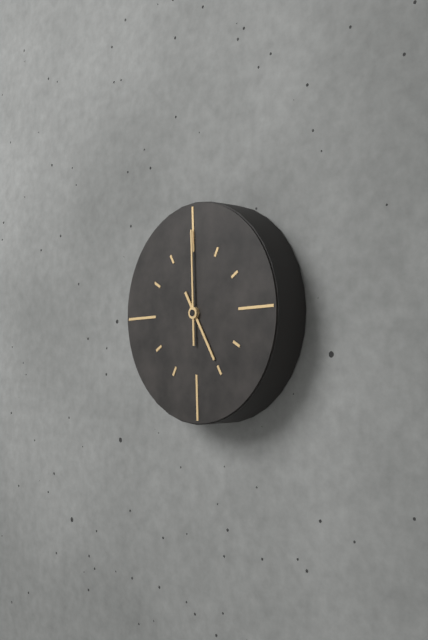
5:00
